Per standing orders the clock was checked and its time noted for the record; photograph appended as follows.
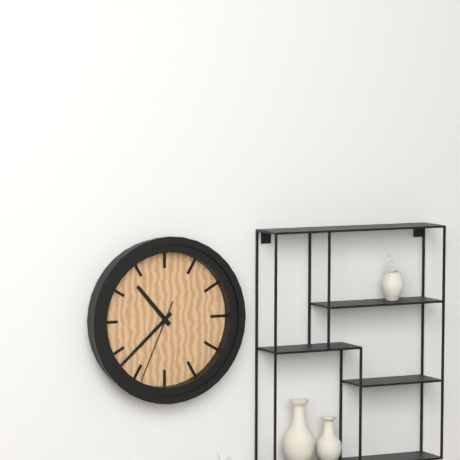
10:38:34
